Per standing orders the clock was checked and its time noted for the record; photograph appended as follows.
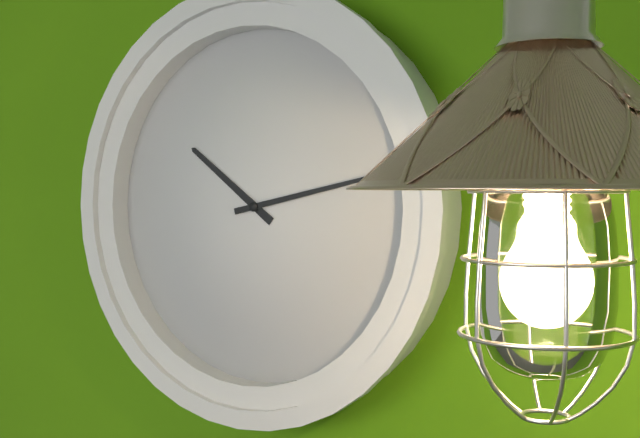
10:13
